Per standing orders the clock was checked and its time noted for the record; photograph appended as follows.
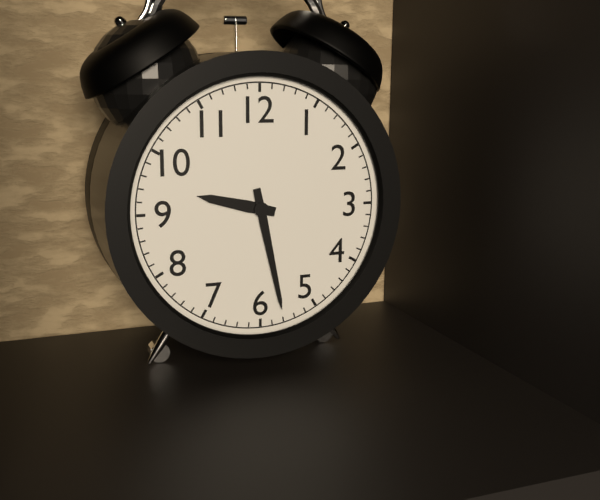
9:28
